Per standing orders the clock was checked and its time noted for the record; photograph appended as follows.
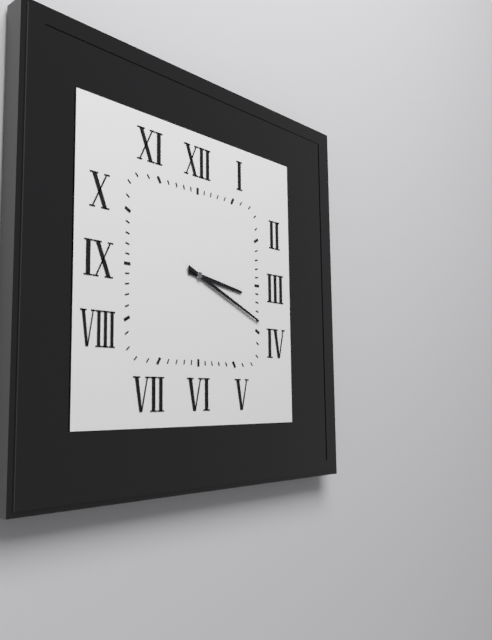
3:19
